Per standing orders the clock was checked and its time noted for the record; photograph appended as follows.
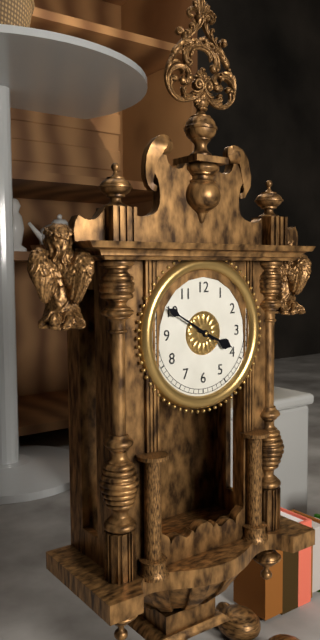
3:50
